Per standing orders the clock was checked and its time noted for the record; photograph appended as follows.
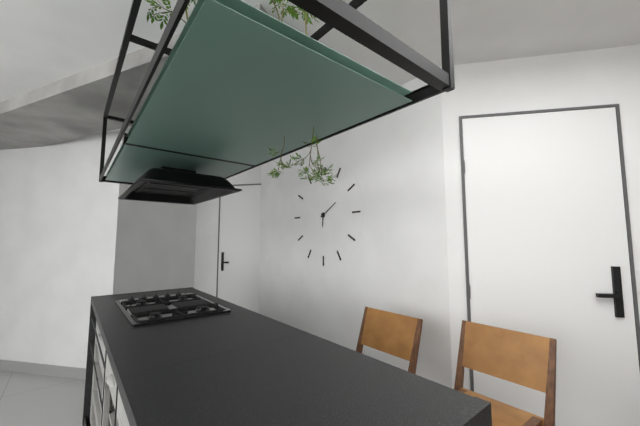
6:10
